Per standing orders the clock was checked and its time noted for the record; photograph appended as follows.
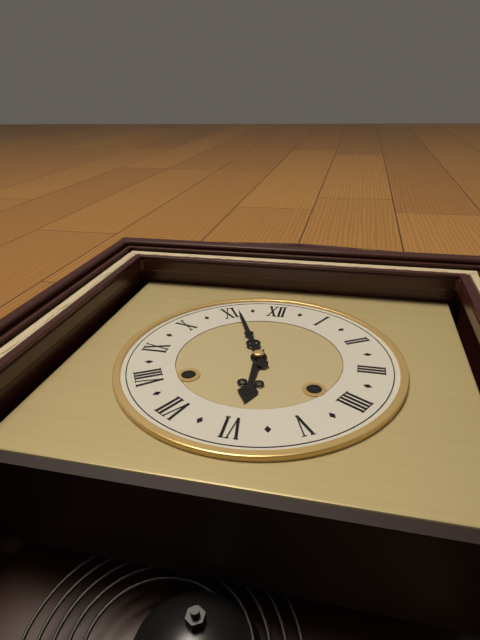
5:56
